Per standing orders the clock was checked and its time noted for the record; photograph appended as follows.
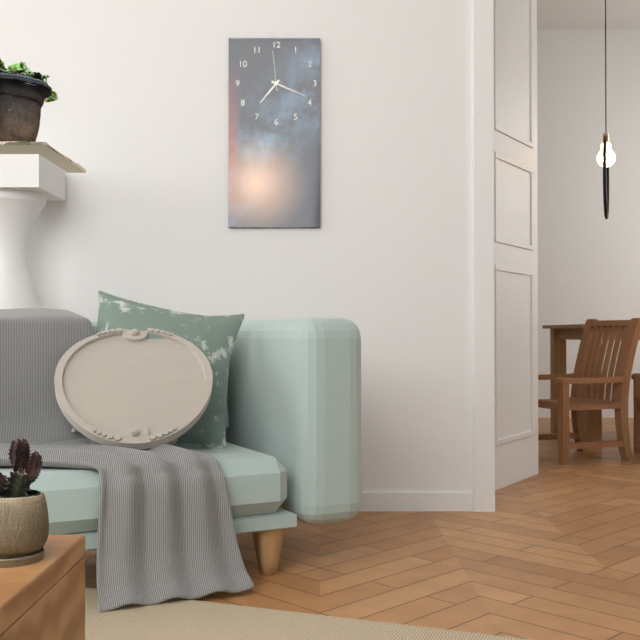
7:19
